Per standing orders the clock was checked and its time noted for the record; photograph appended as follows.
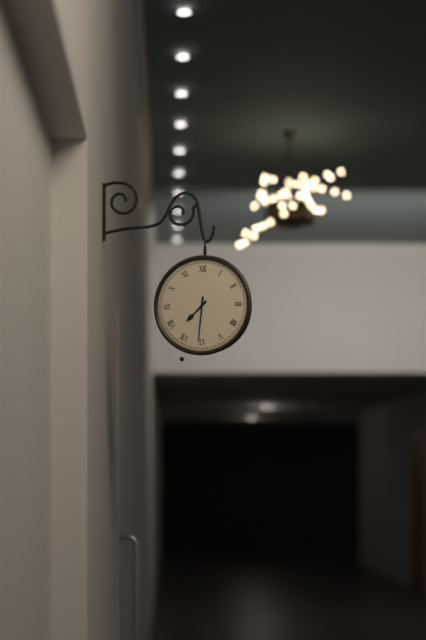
7:31
